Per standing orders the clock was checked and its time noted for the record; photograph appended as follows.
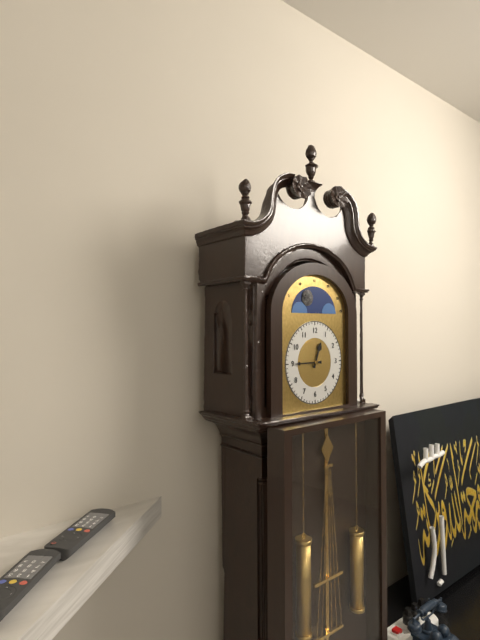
12:45
